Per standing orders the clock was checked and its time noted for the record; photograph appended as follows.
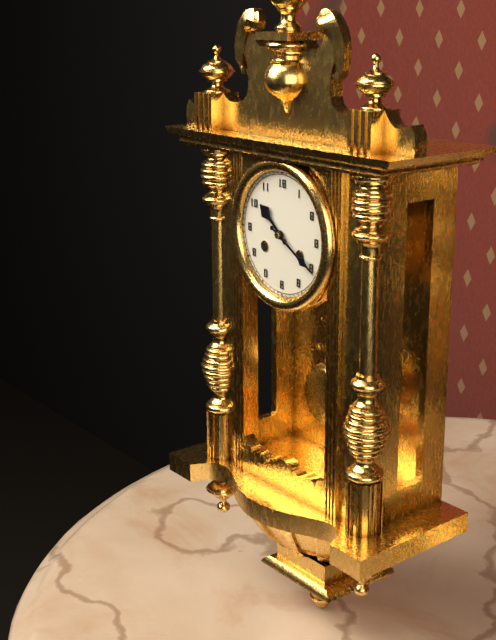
10:20
